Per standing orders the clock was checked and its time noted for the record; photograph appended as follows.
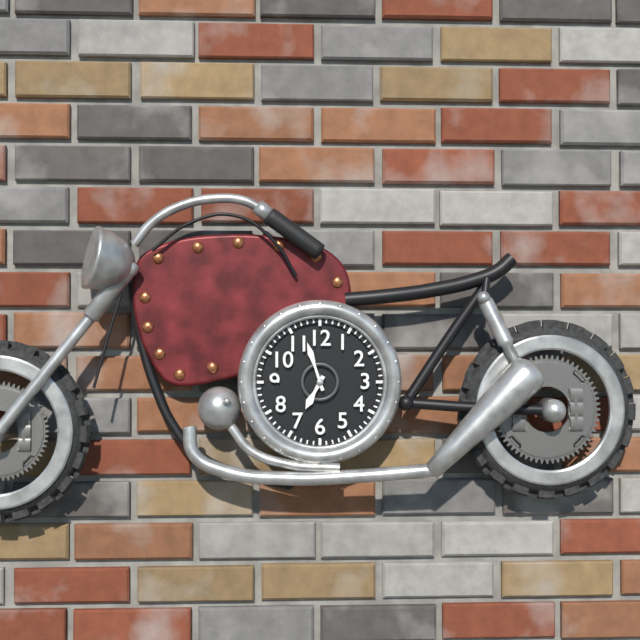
6:57
